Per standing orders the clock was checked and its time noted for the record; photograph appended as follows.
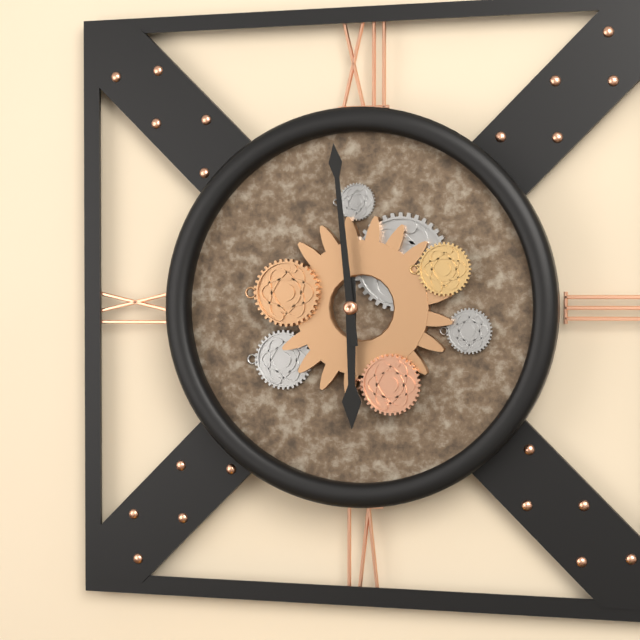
5:59
